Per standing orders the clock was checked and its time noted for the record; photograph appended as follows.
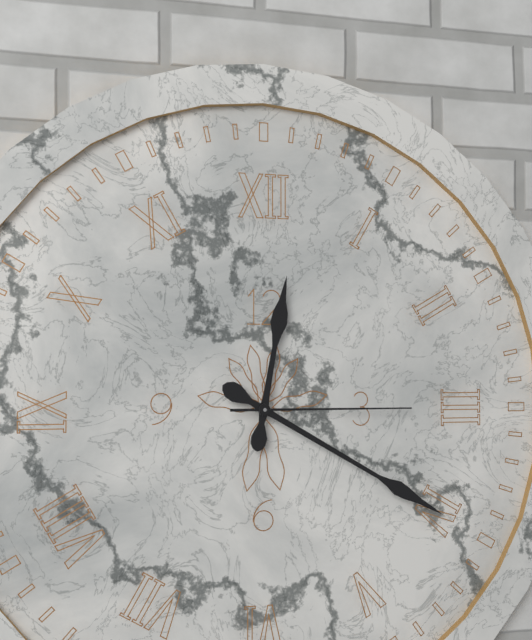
12:20:15
